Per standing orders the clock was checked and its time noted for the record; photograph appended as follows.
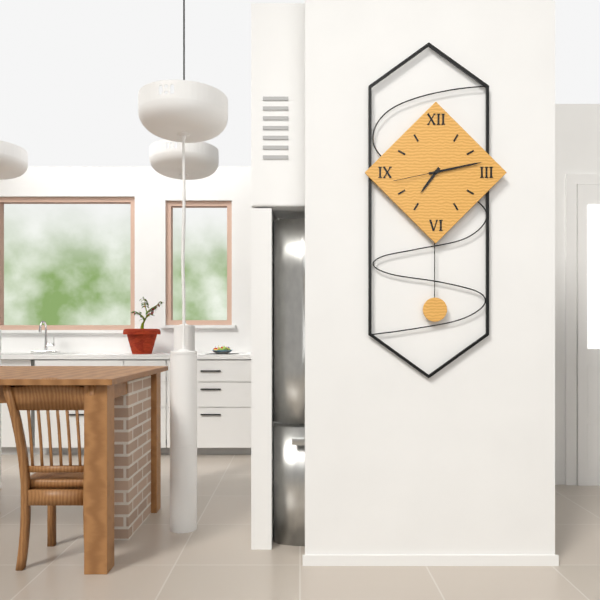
7:13:43
